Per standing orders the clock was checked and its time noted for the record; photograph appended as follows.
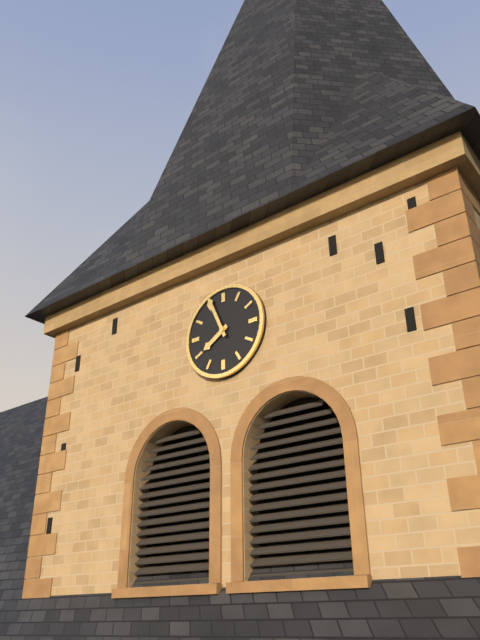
7:56
